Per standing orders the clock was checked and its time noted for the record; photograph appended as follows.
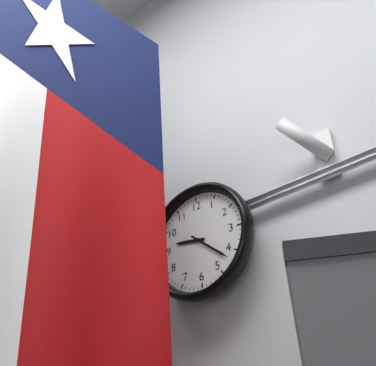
9:22
